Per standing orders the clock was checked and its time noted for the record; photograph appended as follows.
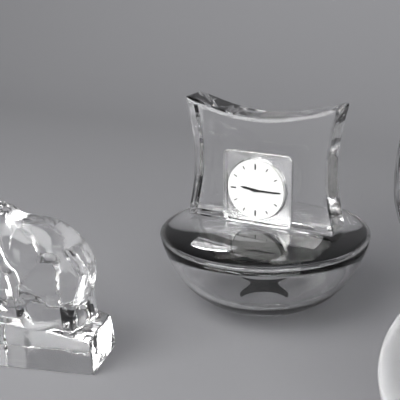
9:15
